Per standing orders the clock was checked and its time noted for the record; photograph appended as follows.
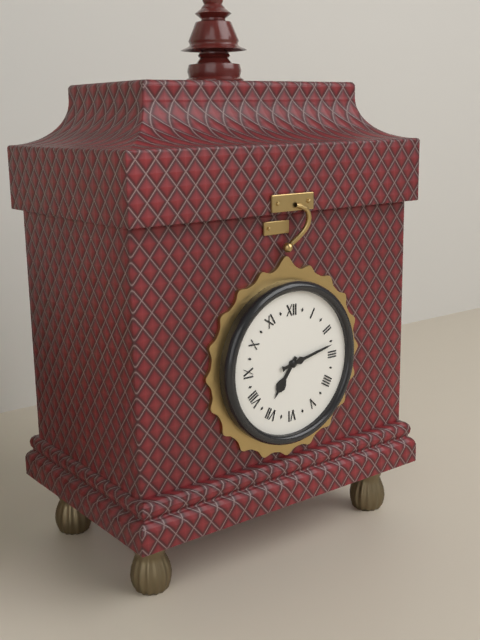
7:13
